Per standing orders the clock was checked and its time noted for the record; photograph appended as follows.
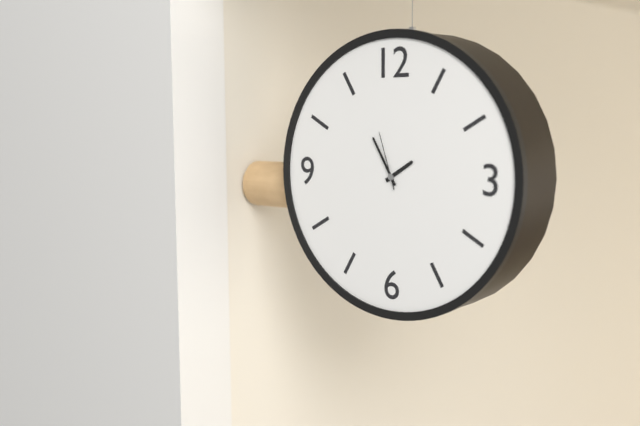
1:55:57
